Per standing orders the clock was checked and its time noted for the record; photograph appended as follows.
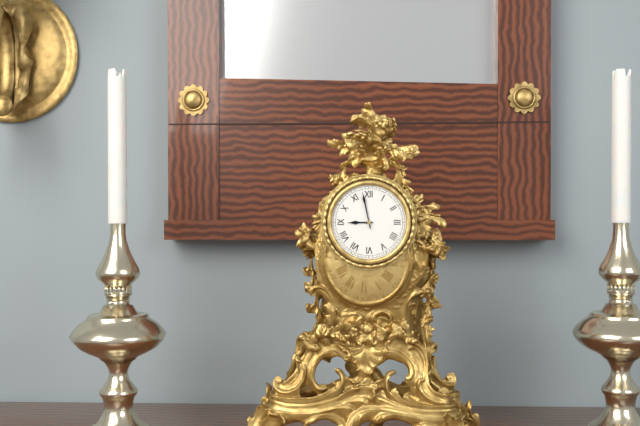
8:58
